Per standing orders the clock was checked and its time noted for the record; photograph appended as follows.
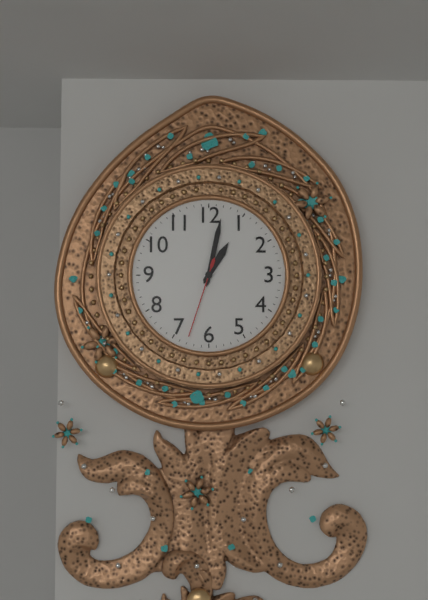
1:02:33
